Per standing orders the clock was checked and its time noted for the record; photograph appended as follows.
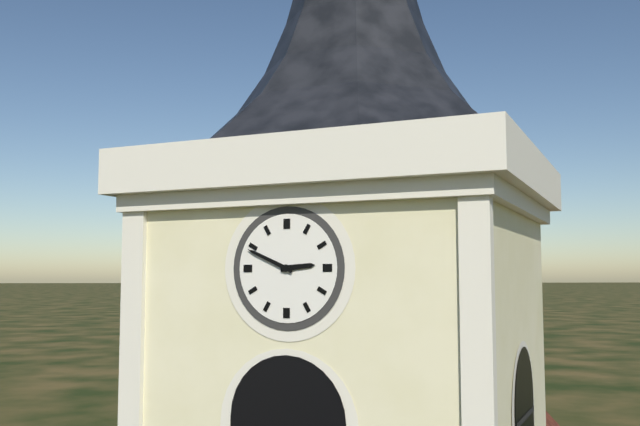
2:49
